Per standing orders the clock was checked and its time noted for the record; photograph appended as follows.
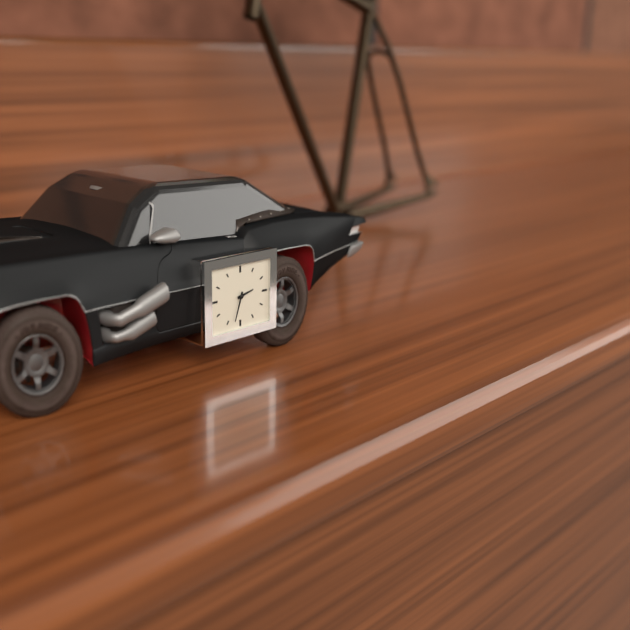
2:33
